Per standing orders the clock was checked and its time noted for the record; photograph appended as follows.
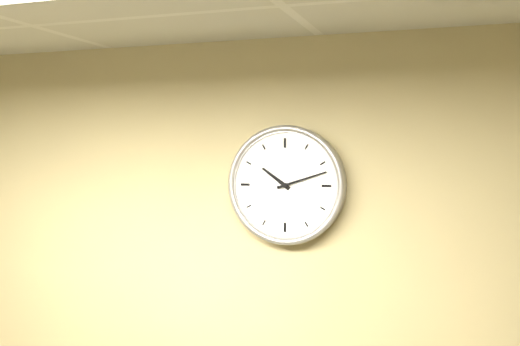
10:12
